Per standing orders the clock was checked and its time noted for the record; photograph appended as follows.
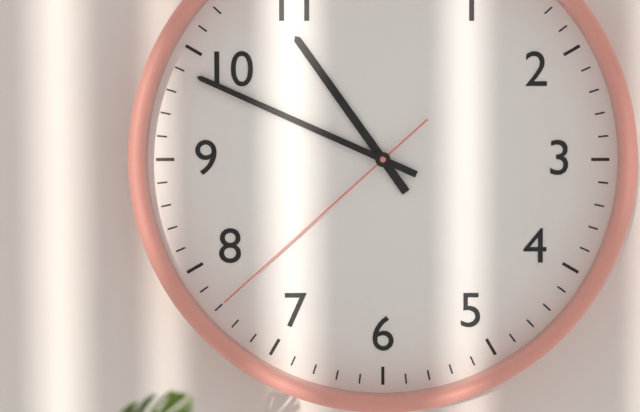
10:49:38
